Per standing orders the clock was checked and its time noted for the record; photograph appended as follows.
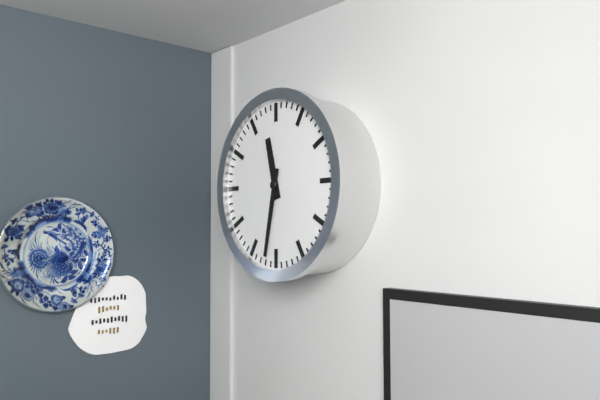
11:32
